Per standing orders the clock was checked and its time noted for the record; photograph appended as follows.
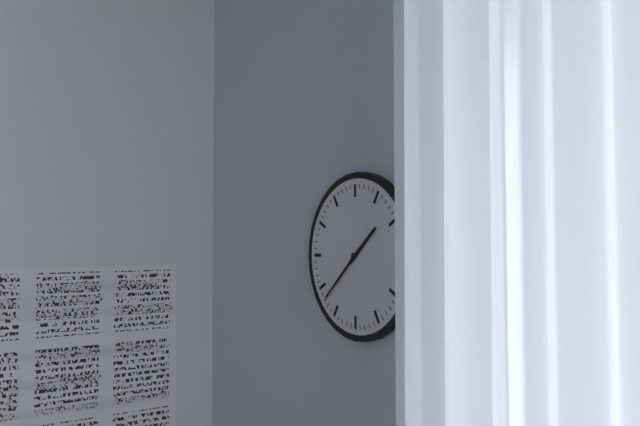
1:38
